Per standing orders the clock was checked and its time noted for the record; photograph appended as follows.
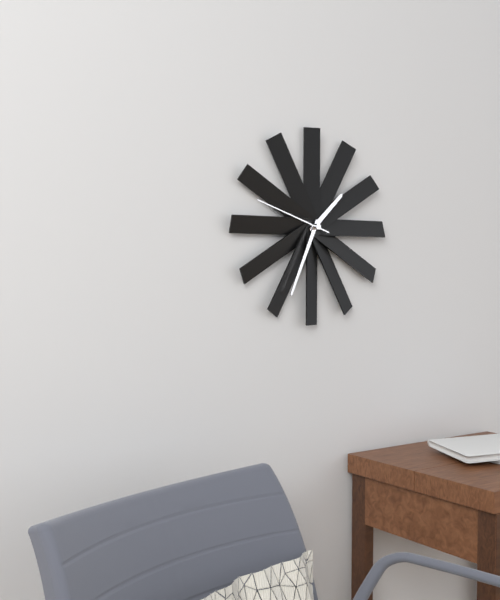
1:34:48
